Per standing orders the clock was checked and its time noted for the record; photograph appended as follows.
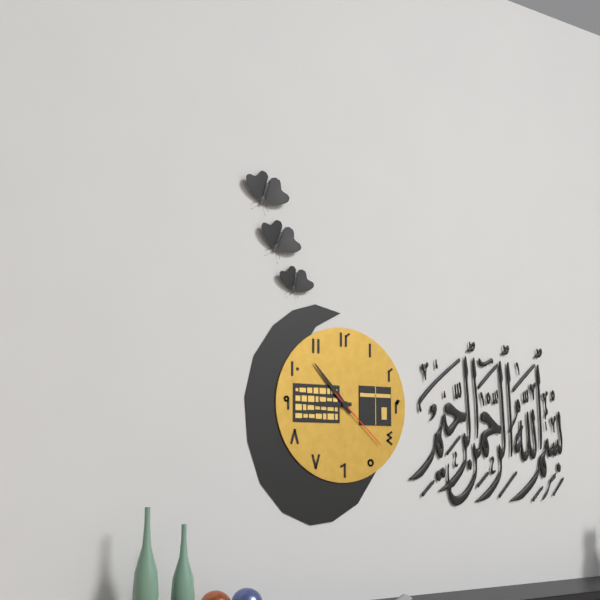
8:53:22
